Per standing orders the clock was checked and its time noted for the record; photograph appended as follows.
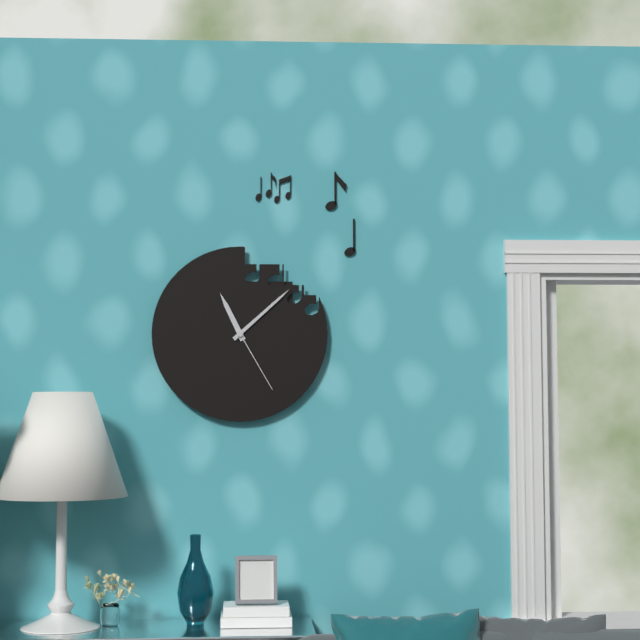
11:08:25
